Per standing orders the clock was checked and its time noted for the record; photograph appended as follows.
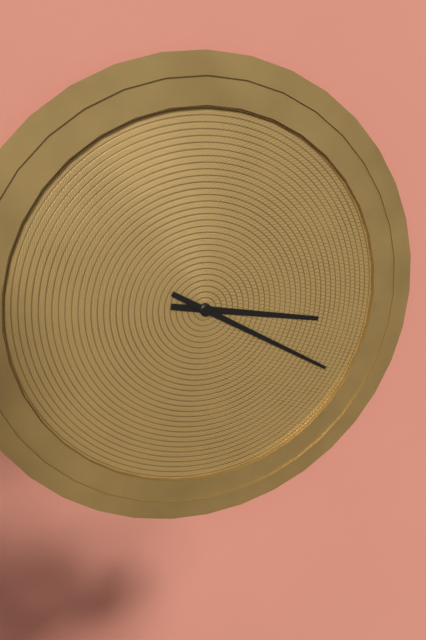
3:20
